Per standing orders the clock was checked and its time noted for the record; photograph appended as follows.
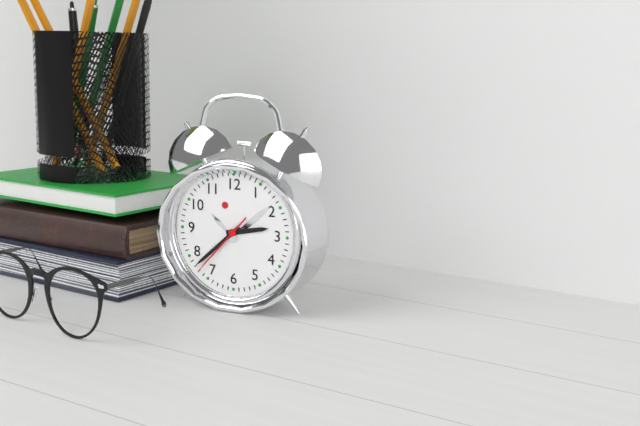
2:38:37
